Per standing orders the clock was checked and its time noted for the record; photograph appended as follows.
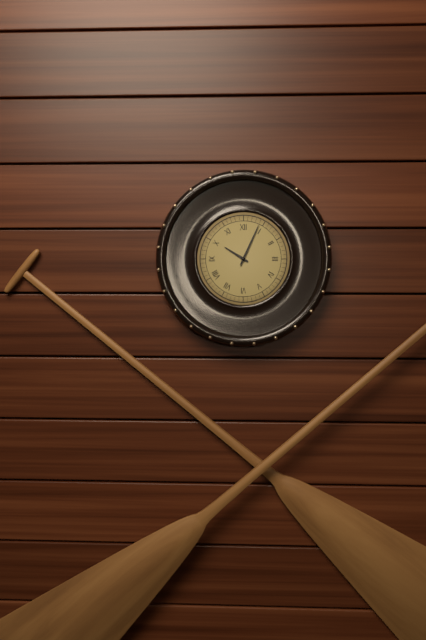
10:04
